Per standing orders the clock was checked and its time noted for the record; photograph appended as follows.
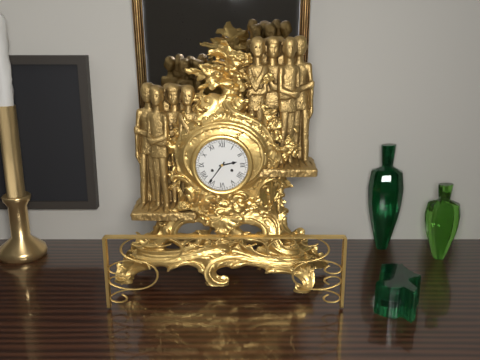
2:36
